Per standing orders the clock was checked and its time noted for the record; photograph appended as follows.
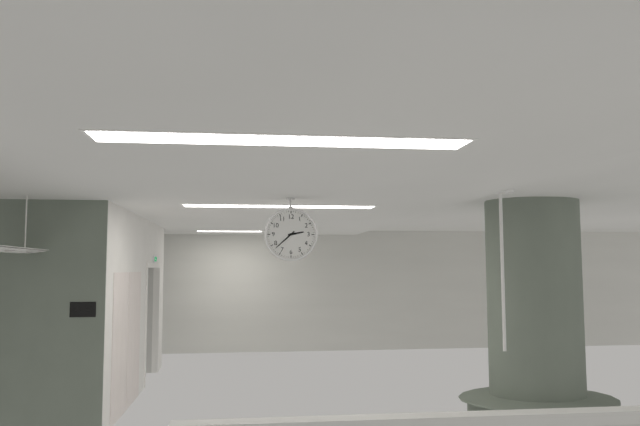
2:38
